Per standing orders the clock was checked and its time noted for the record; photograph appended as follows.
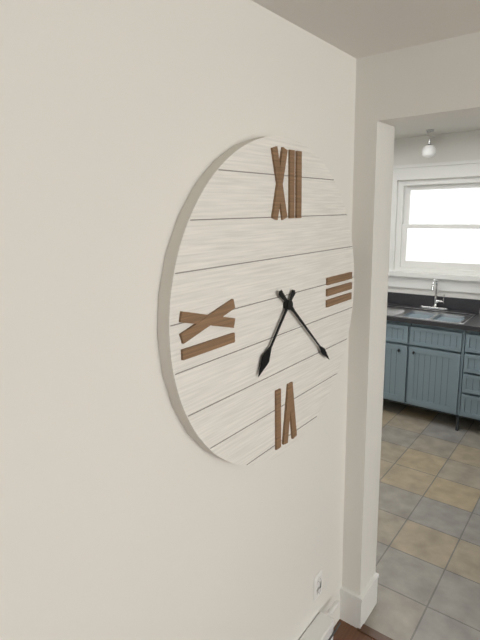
7:22
